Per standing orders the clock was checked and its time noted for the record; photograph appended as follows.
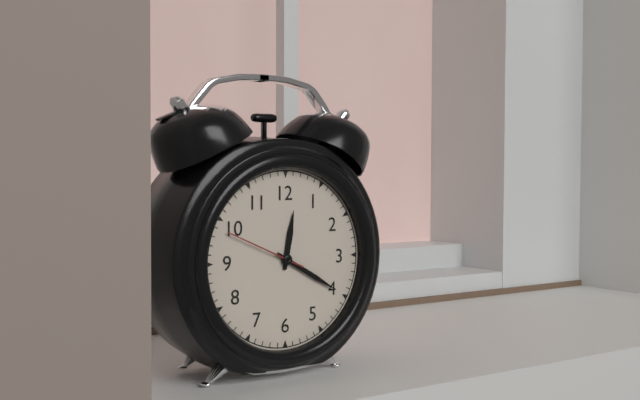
12:20:49
